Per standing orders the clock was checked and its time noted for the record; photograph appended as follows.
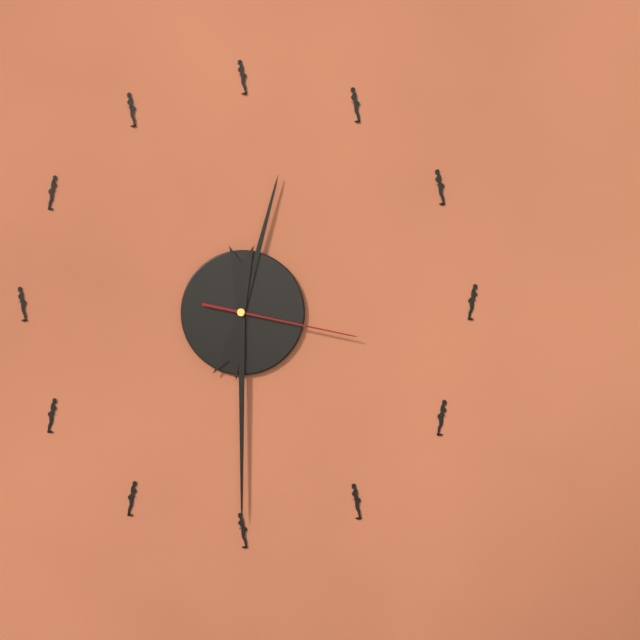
12:30:17
